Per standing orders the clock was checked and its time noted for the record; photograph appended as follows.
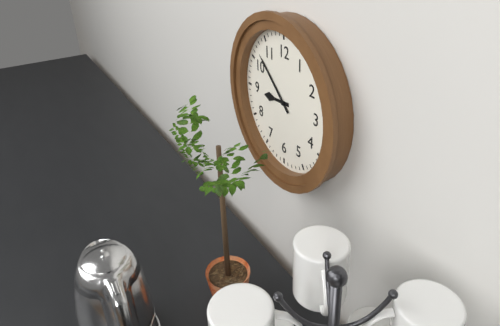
8:52
